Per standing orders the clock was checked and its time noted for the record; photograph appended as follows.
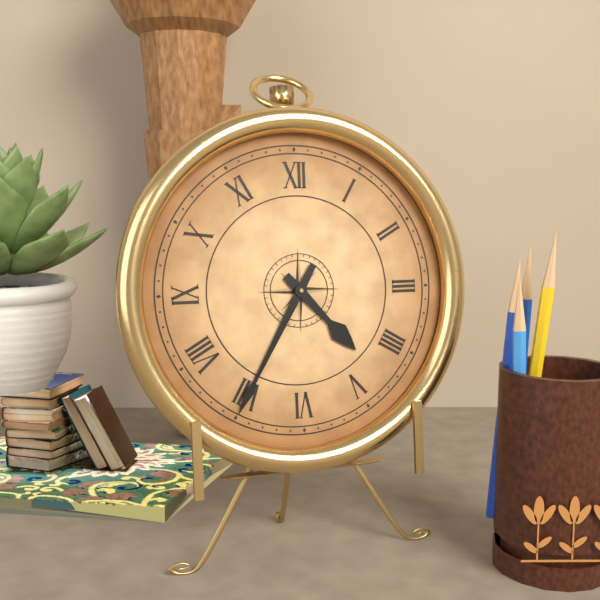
4:35
